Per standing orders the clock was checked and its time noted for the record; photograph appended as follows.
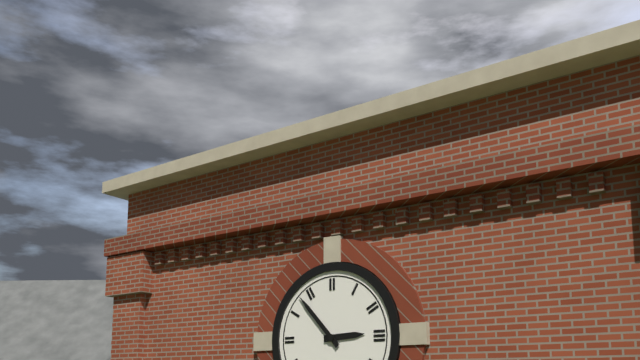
2:53
